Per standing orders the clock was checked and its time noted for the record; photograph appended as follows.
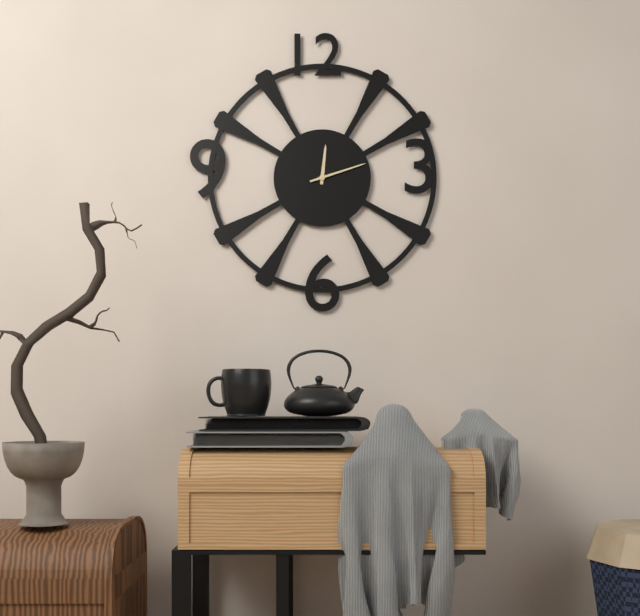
12:12
